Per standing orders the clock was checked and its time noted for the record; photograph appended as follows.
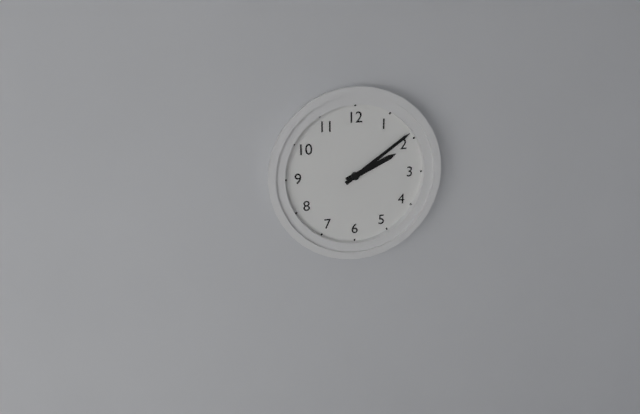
2:09
